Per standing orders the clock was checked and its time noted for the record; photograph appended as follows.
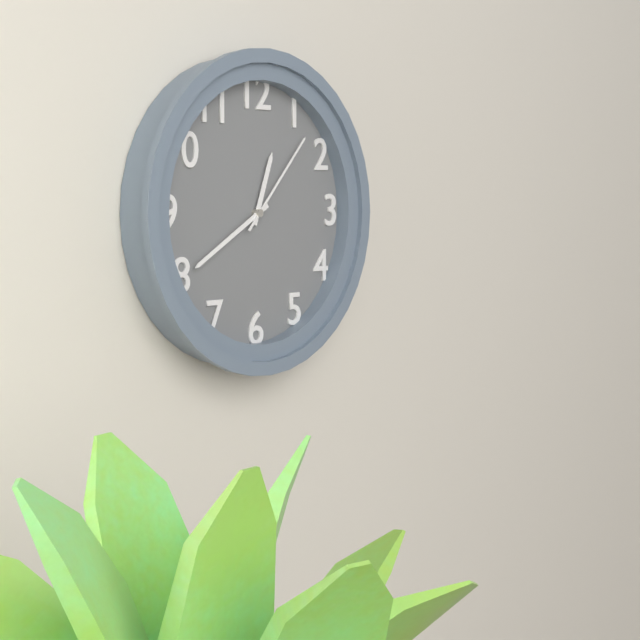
12:40:07
